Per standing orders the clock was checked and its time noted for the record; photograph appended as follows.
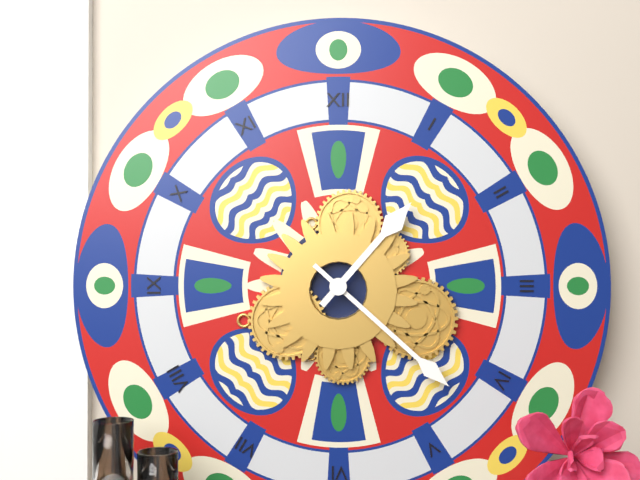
1:22
